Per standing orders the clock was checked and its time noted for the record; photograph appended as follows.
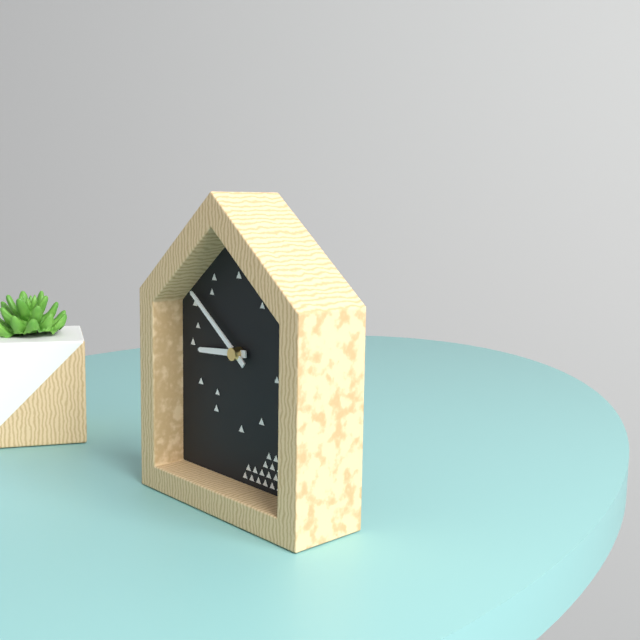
8:51
